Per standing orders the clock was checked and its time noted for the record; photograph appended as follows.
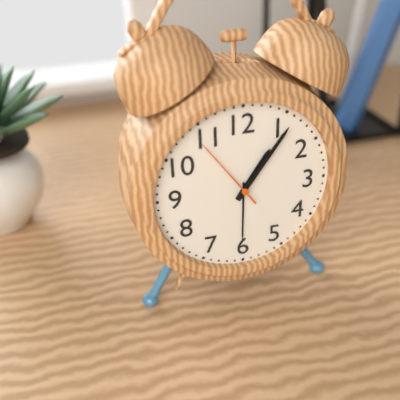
1:06:54
